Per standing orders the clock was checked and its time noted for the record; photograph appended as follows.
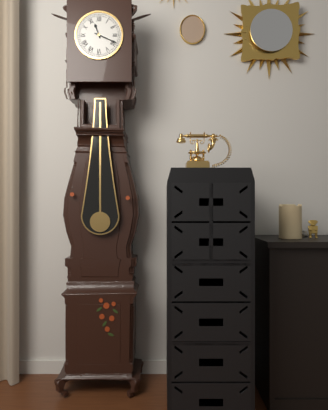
11:19
